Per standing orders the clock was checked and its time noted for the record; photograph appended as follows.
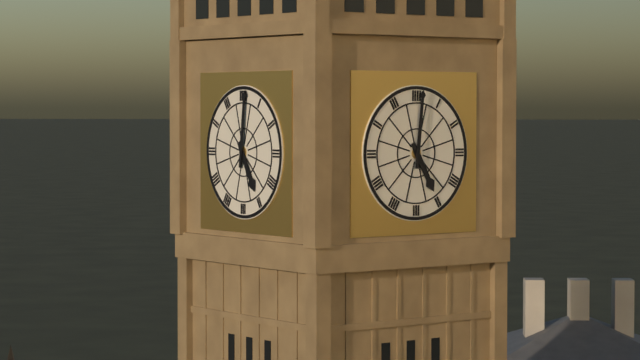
5:01
